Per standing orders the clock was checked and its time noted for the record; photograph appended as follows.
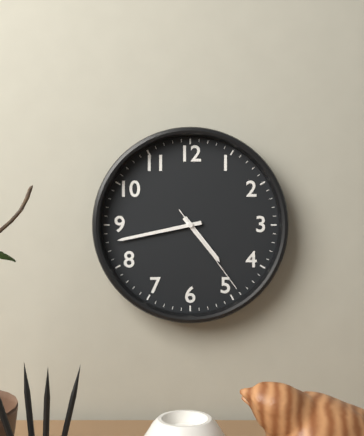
4:43:24
